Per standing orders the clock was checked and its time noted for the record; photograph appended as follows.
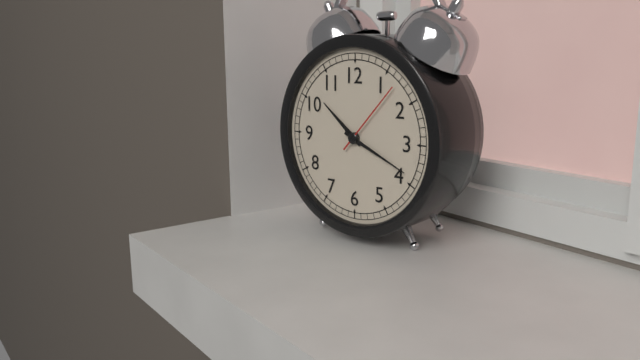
10:19:07
